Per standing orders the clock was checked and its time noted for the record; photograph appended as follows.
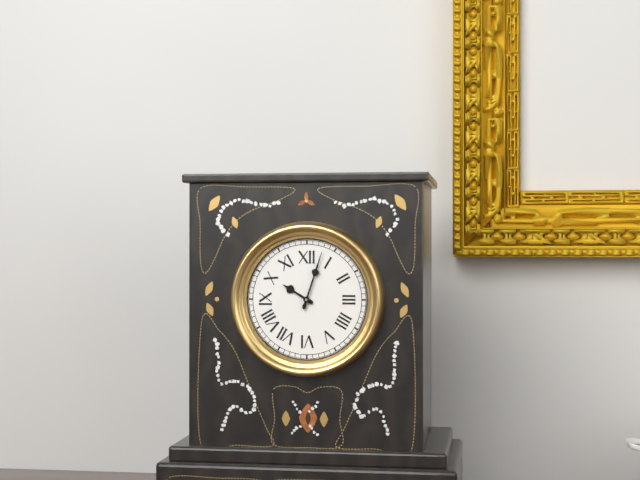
10:03
